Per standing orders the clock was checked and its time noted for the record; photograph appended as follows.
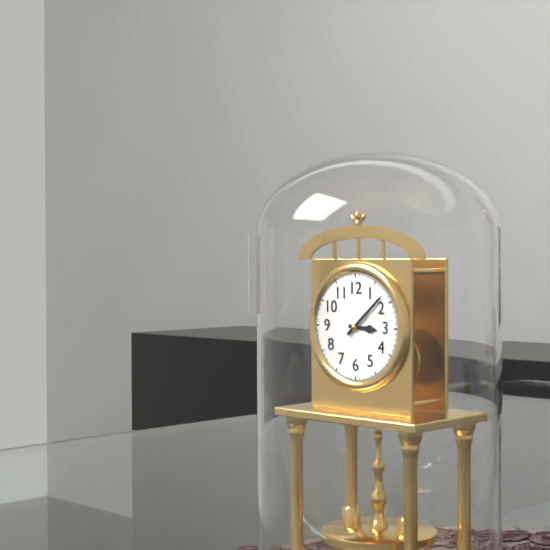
3:08
